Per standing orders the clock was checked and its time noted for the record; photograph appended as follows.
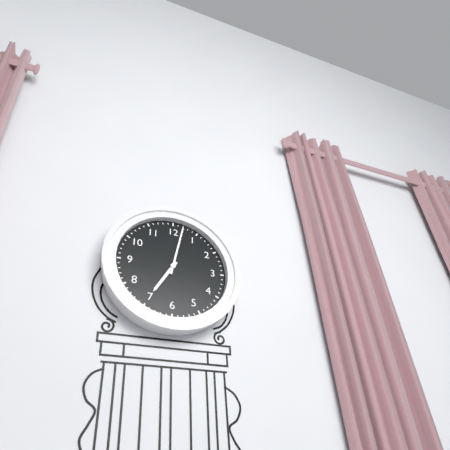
7:02
